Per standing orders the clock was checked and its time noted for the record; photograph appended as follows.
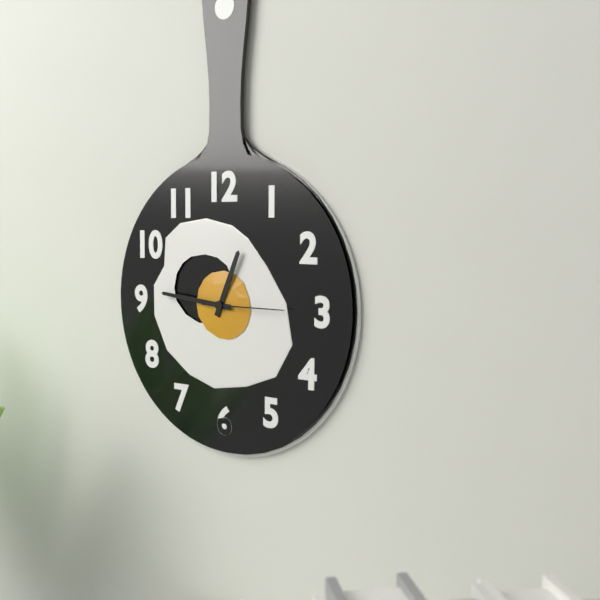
12:46:15
